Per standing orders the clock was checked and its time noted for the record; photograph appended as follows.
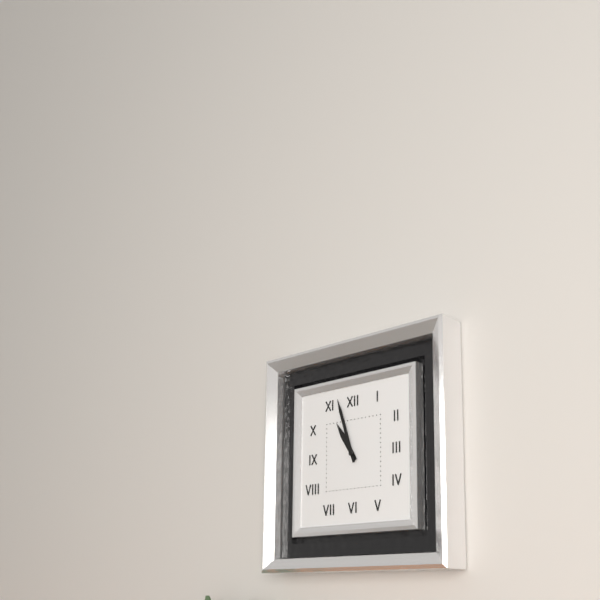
10:57
